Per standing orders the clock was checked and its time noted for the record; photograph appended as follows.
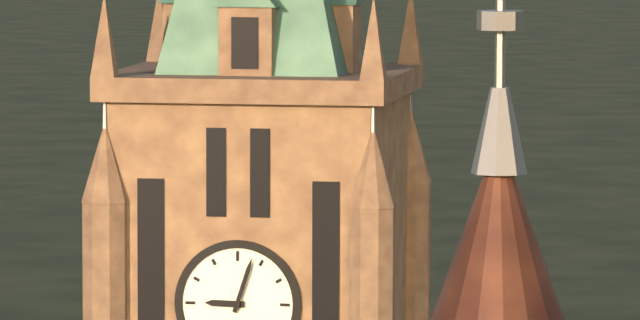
9:03
